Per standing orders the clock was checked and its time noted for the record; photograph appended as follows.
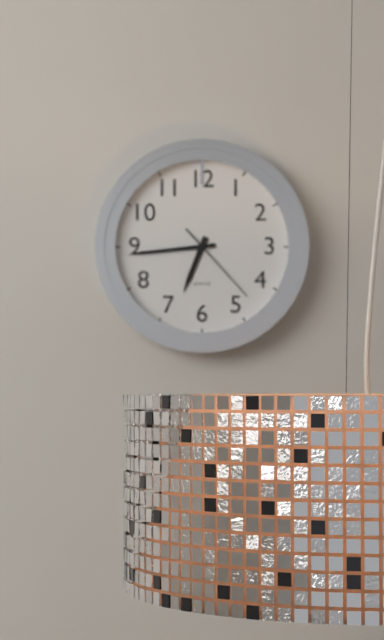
6:44:23
